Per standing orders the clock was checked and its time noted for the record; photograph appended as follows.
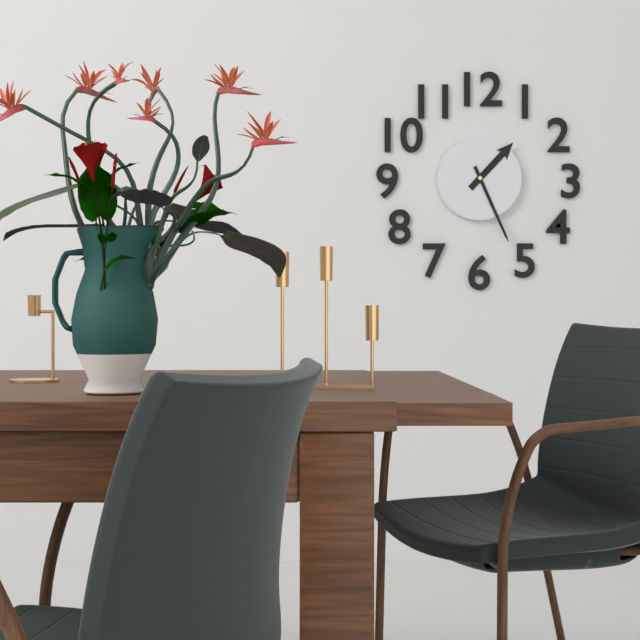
1:26
